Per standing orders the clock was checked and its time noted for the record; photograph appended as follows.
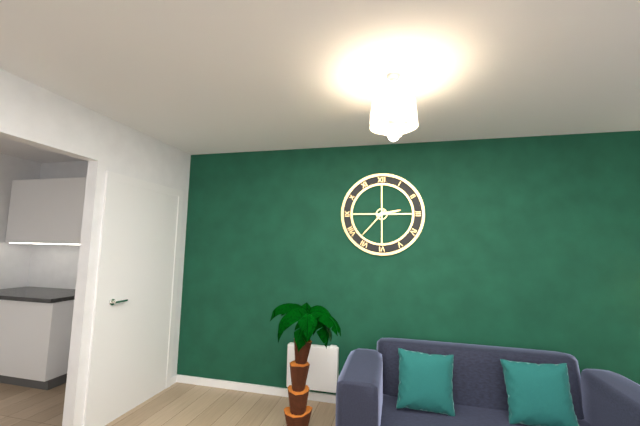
2:37
